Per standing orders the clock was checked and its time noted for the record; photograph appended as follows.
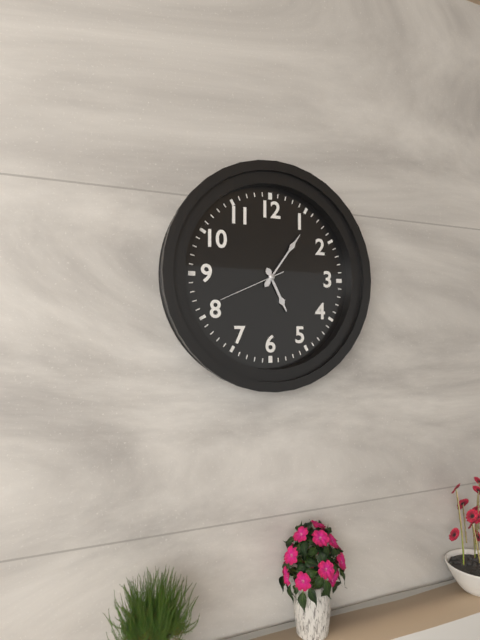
5:06:41
